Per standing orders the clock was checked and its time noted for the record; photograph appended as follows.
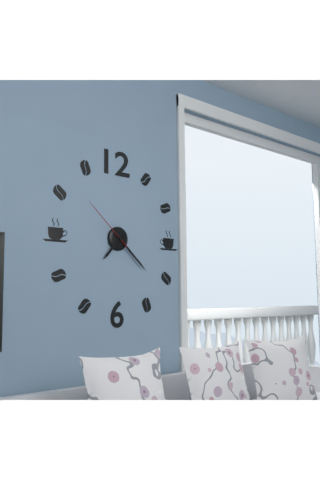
7:22:52
